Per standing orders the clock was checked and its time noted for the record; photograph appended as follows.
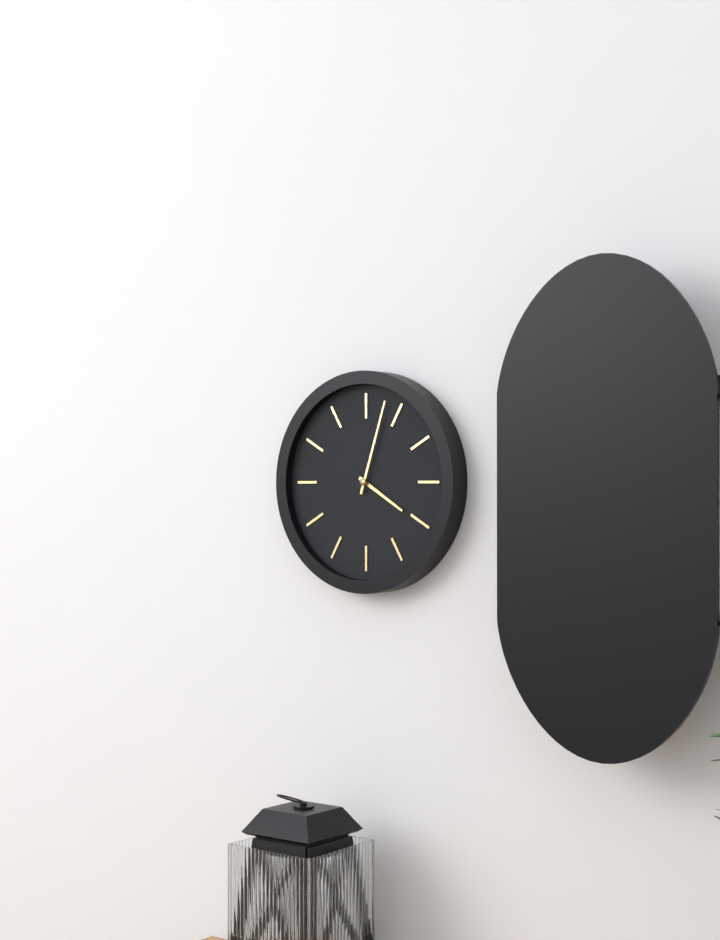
4:03
